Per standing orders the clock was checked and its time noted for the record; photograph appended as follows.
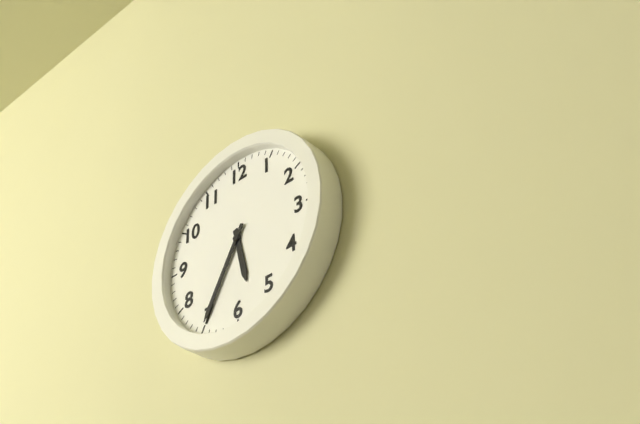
5:35
